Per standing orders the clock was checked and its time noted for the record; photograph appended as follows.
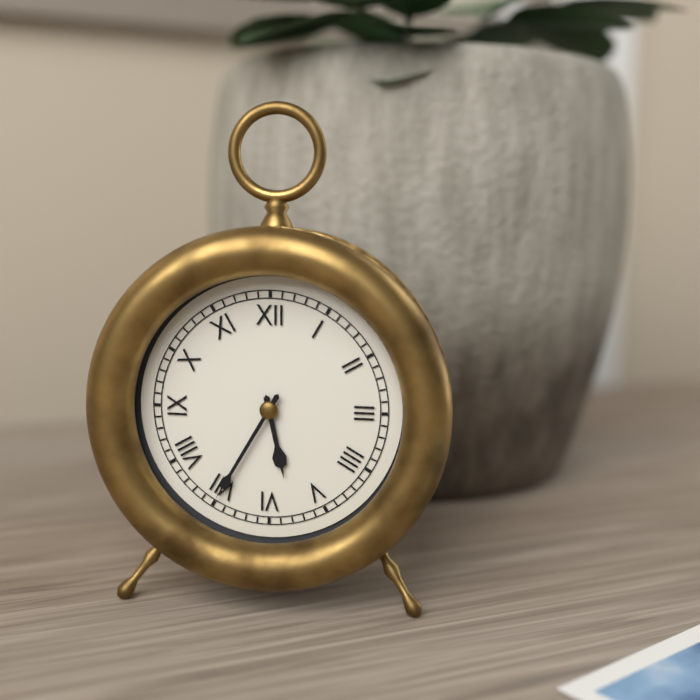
5:35
